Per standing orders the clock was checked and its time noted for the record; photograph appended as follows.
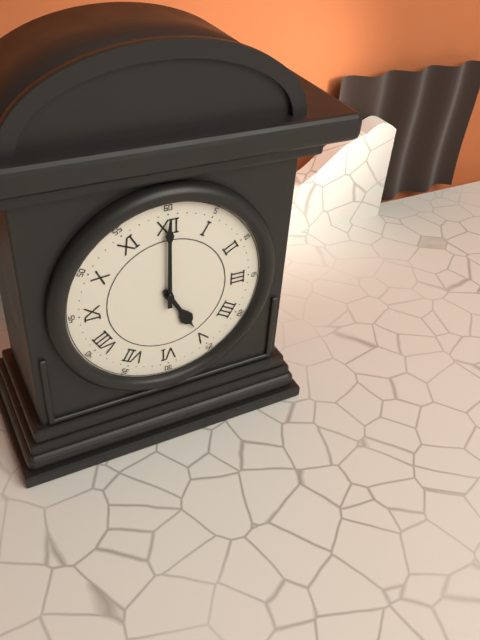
5:00
